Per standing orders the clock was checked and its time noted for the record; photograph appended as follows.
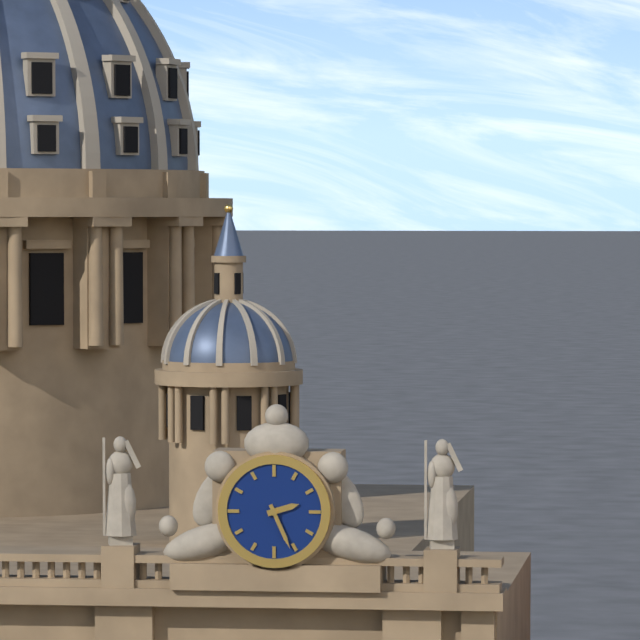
2:26
